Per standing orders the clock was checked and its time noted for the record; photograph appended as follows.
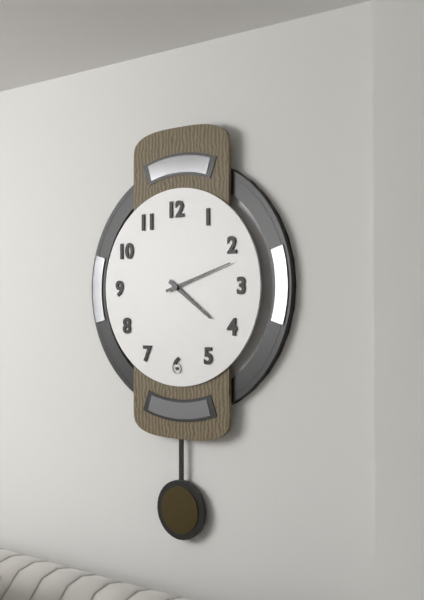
4:12
